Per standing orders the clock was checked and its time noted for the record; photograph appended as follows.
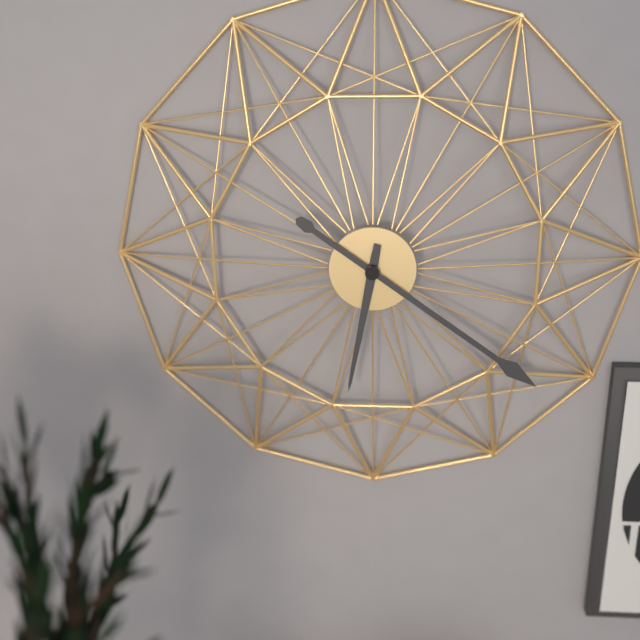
6:21
